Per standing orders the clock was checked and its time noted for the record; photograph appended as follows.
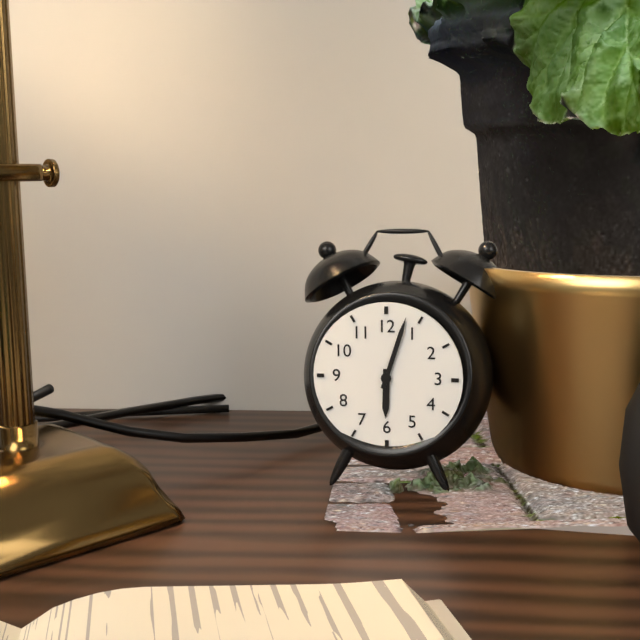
6:03
